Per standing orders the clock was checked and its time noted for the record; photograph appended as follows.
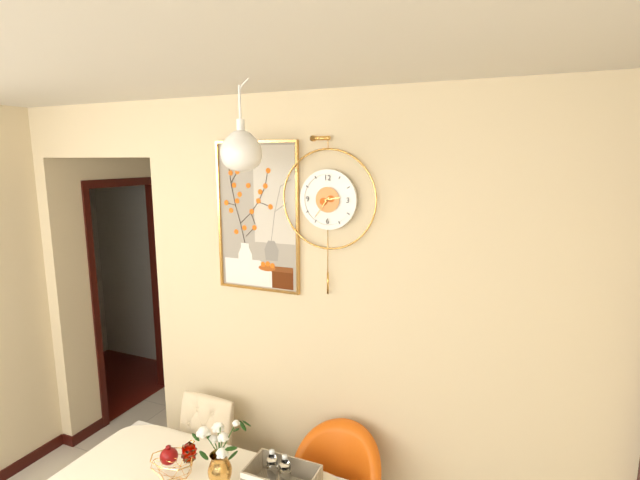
2:36
